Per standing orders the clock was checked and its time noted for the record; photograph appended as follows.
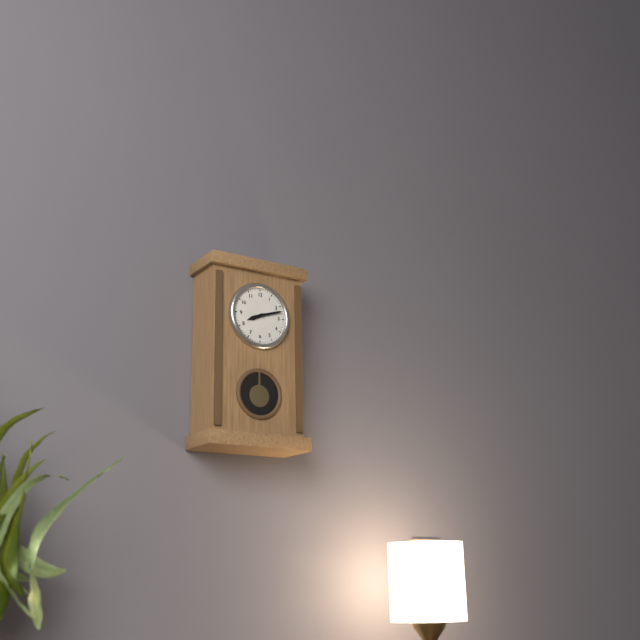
8:12
